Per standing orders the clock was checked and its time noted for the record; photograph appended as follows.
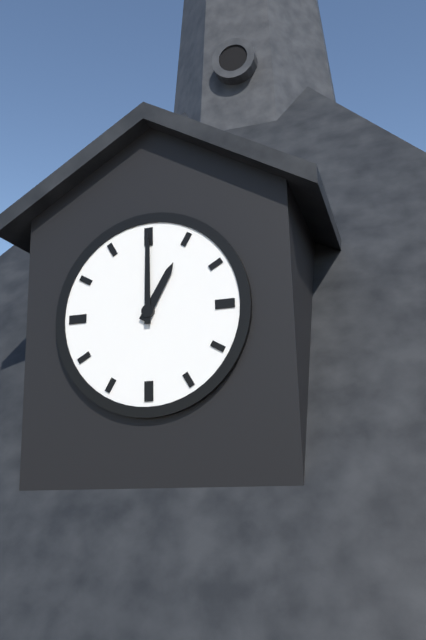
1:00
